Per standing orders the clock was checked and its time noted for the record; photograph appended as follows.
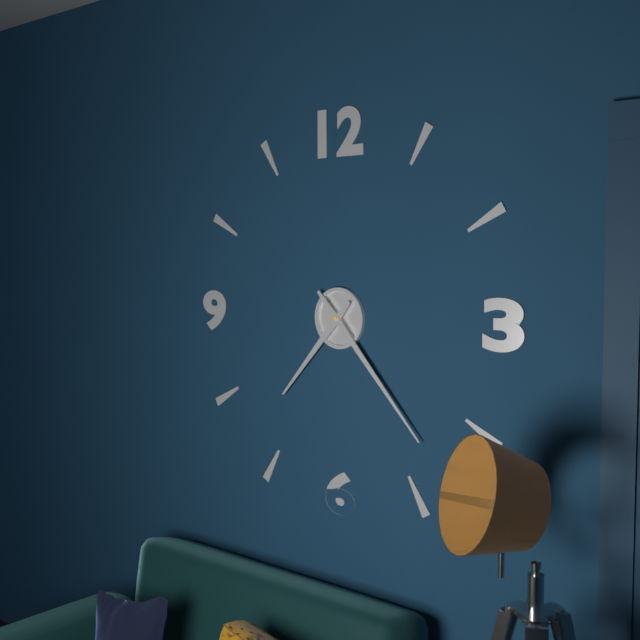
7:23
